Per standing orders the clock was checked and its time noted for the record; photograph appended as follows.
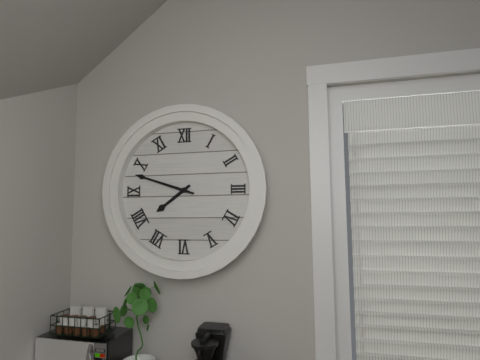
7:48
